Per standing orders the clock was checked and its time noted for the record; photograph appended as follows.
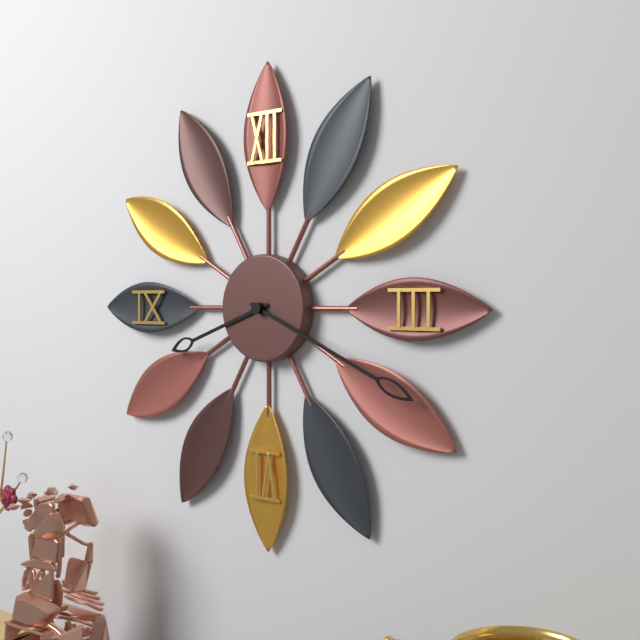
8:19
